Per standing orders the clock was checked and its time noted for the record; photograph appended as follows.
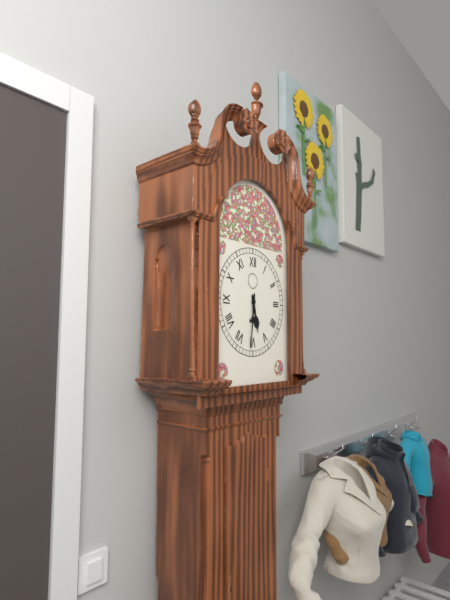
5:31
